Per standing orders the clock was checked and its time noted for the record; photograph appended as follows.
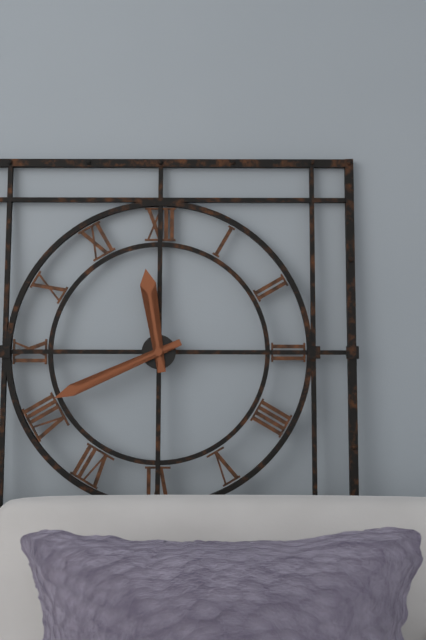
11:41
